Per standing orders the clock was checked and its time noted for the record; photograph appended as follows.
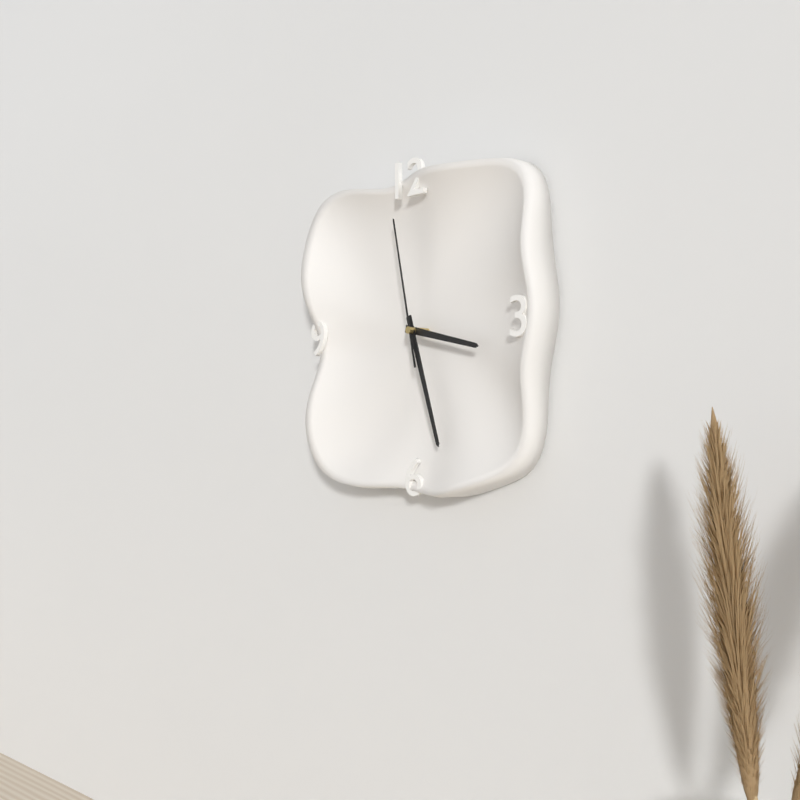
3:27:58
